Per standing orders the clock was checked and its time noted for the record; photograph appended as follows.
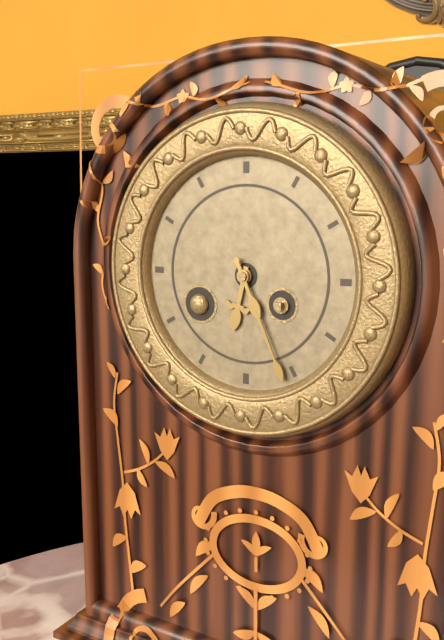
6:26
